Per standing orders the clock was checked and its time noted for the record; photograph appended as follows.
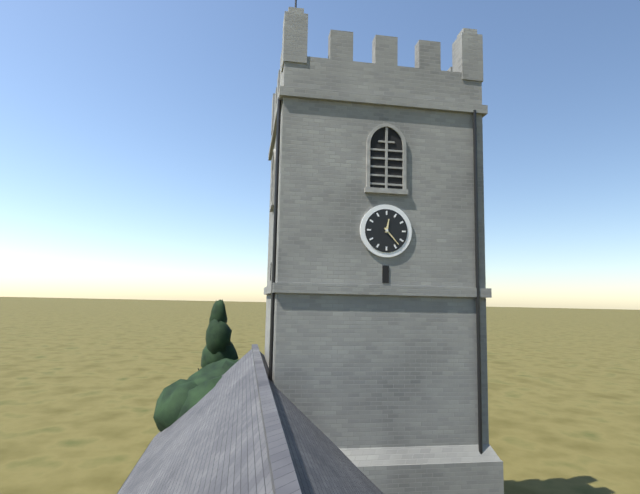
12:23
